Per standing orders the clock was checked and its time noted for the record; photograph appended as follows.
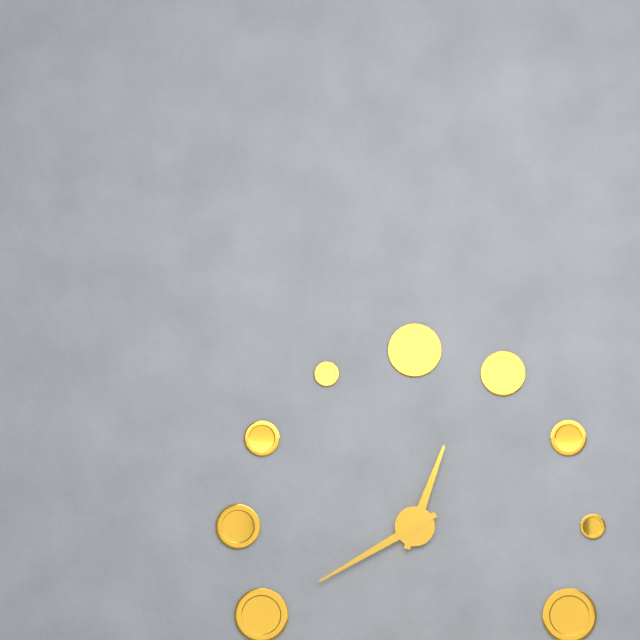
12:40
